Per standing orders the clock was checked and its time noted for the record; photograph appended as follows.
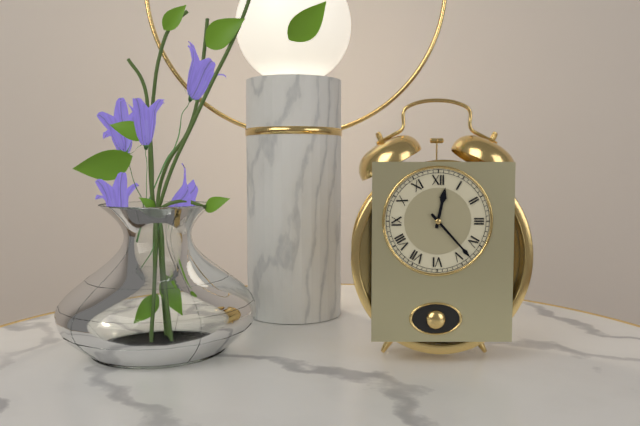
12:23
